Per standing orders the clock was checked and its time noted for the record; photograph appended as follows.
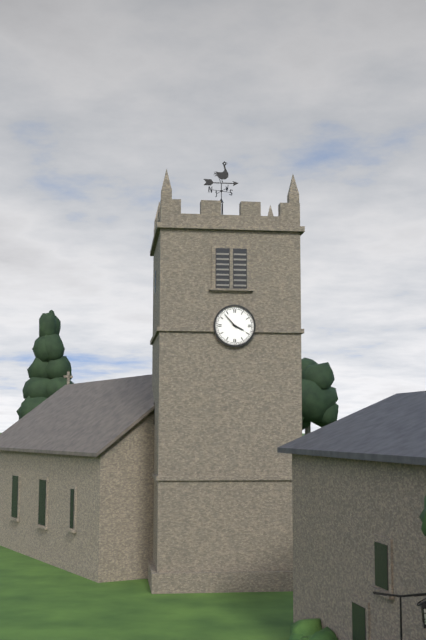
3:53
